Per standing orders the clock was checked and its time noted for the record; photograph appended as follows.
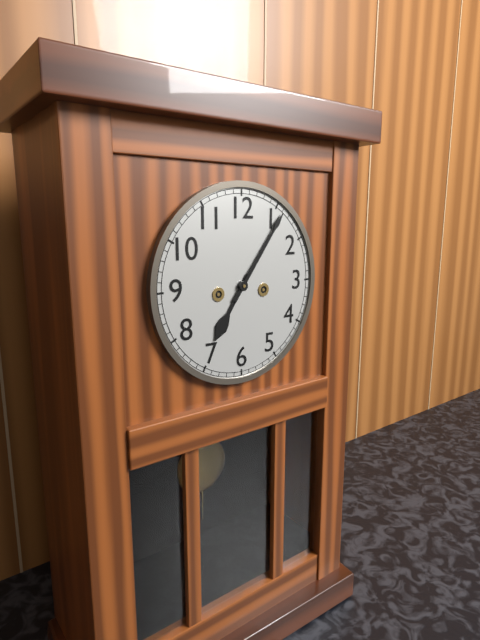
7:06
